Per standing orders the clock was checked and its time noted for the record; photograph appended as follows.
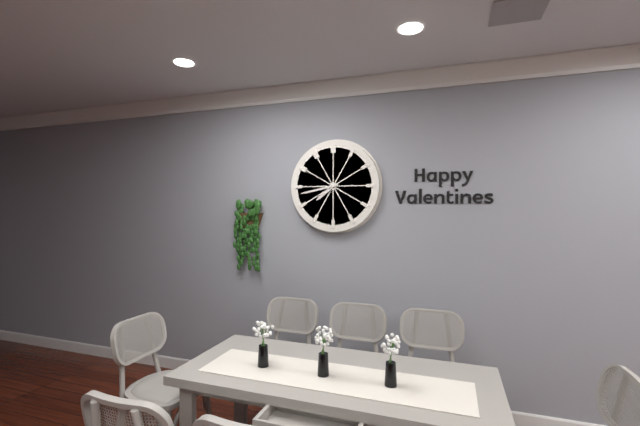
7:43
